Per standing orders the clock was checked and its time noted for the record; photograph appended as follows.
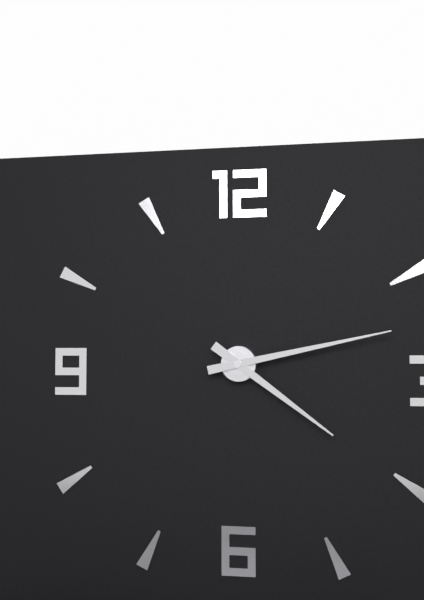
4:13
